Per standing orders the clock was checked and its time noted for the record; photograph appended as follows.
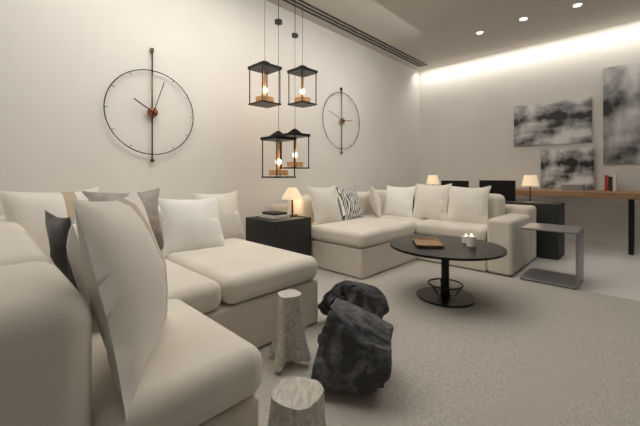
10:03
